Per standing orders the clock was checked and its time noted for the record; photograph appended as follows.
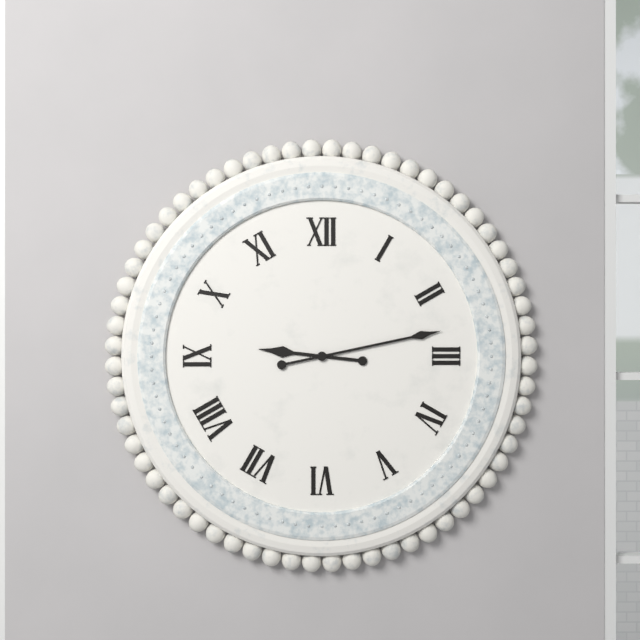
9:13
